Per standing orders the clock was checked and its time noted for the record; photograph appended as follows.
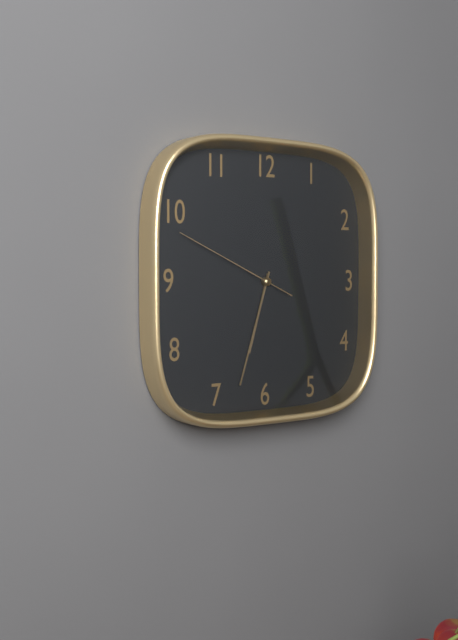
6:33:49
